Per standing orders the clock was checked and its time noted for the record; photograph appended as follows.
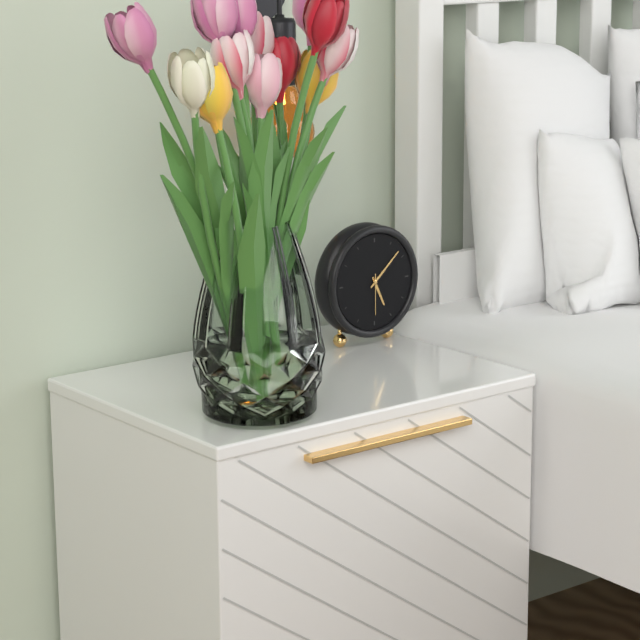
5:08
